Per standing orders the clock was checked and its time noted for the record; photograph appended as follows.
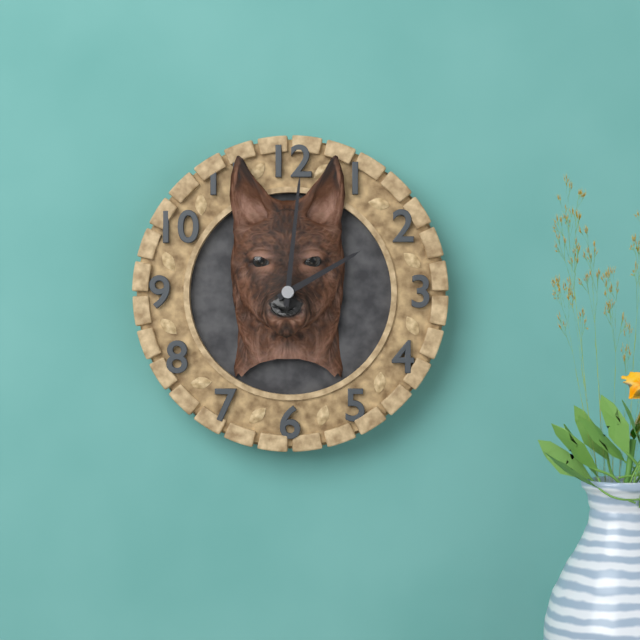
2:01
